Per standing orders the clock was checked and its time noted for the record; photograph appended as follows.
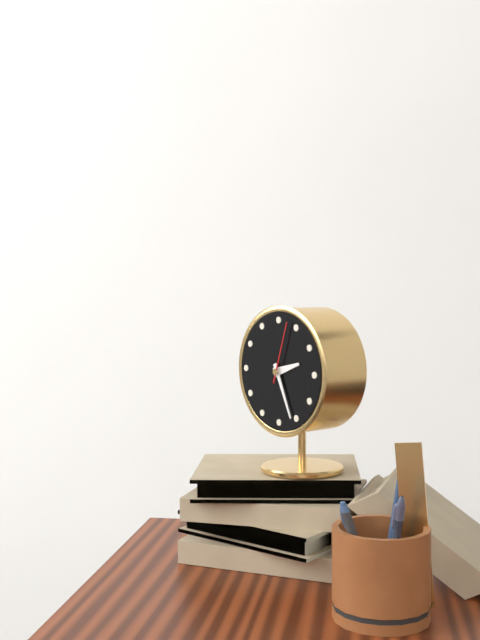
2:26:03
